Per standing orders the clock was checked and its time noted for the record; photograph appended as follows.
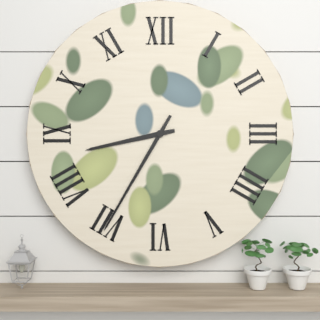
8:35
